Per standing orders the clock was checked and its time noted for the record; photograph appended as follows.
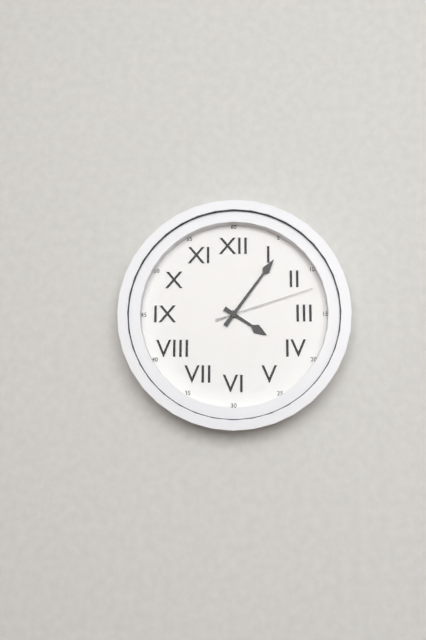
4:06:12
